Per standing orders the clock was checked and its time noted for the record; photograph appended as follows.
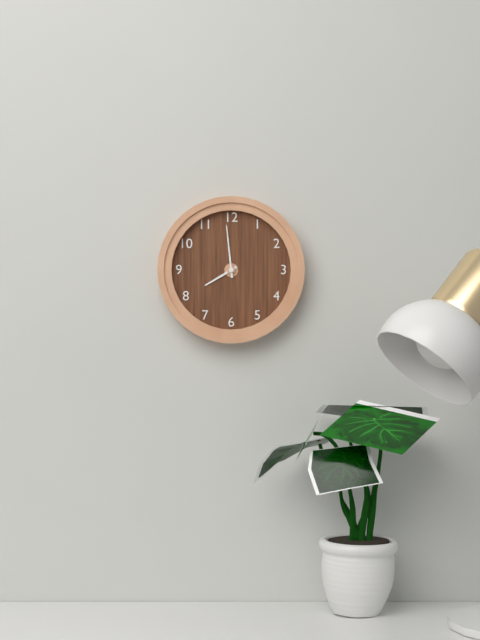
7:59
